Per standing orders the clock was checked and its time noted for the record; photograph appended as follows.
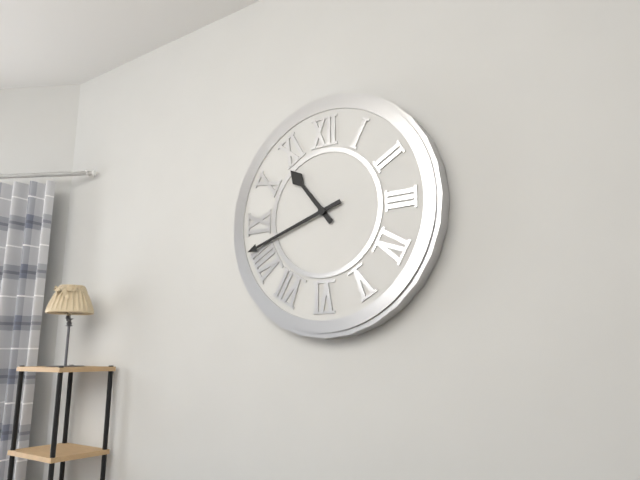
10:42
